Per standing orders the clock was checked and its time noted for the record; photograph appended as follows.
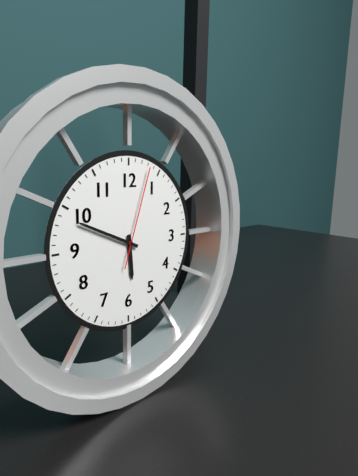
5:49:03
